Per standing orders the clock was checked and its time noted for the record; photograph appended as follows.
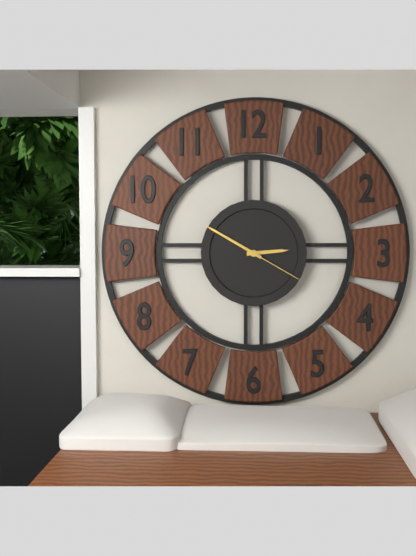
2:50:20
